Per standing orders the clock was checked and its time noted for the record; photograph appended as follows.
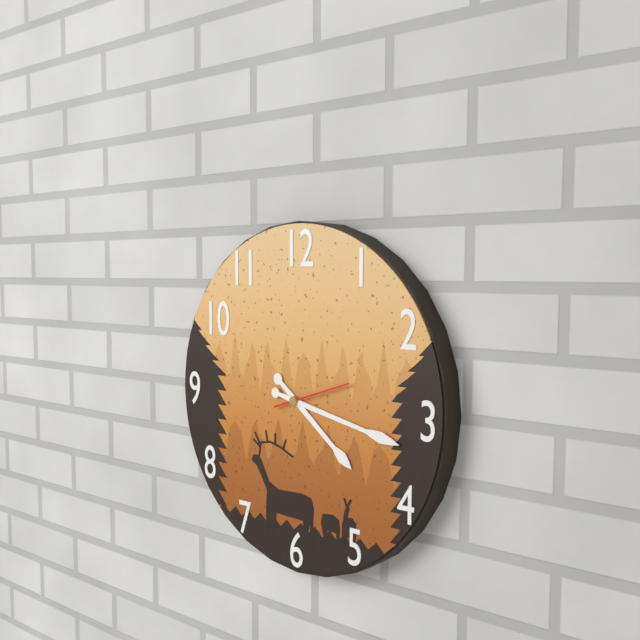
4:17:12
